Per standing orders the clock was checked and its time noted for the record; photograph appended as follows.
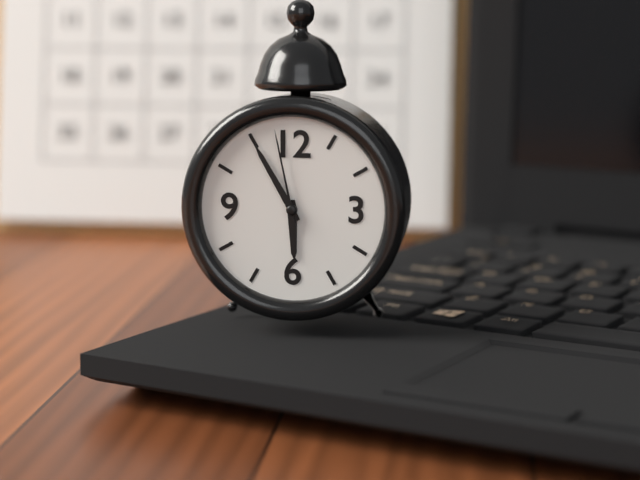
5:55:58
